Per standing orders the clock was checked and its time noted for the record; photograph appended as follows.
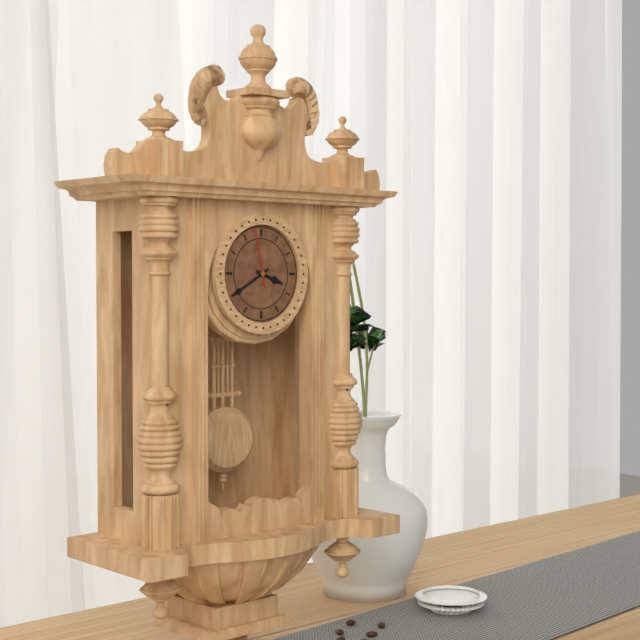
3:40:58
